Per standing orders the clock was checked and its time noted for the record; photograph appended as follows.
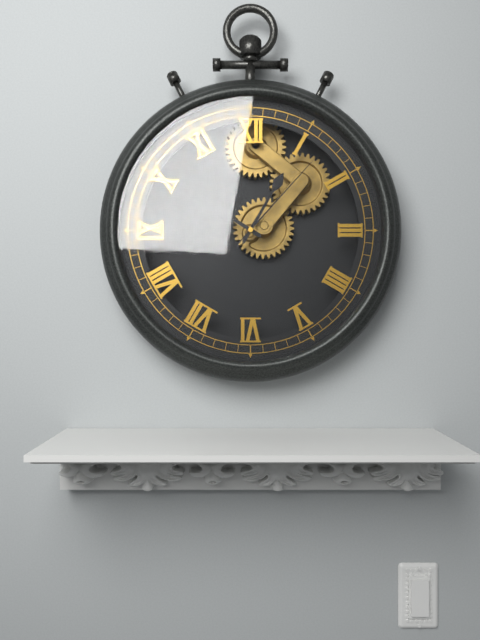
10:05:07
